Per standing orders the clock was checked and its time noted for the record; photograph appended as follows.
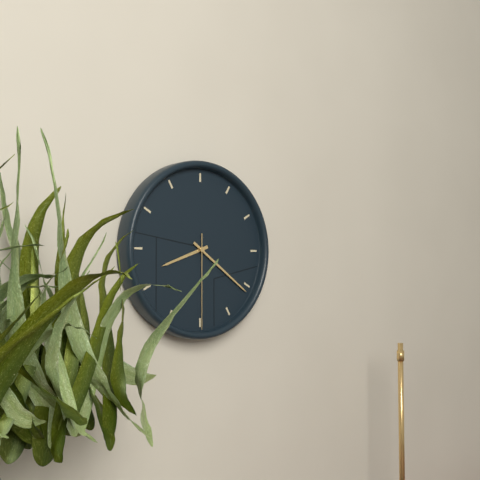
8:21:30
